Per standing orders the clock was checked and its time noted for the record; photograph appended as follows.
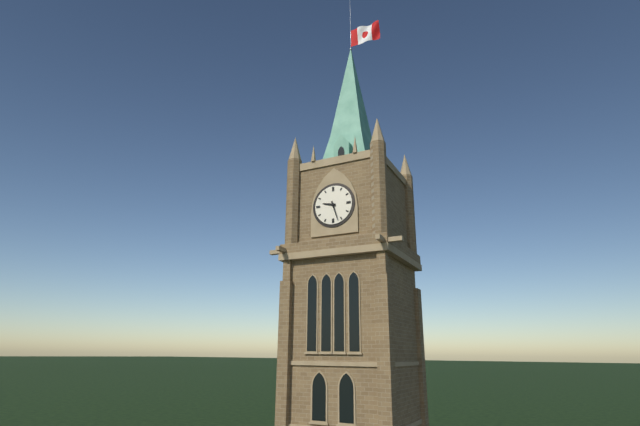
9:27
